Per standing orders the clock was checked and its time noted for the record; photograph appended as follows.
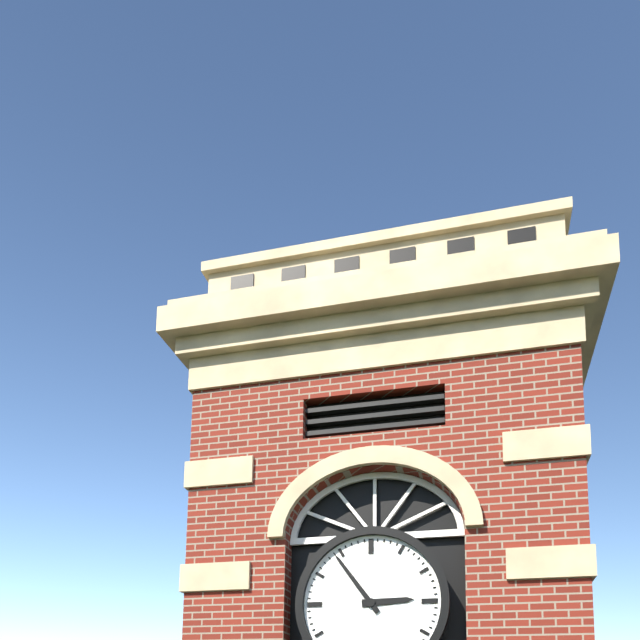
2:54
